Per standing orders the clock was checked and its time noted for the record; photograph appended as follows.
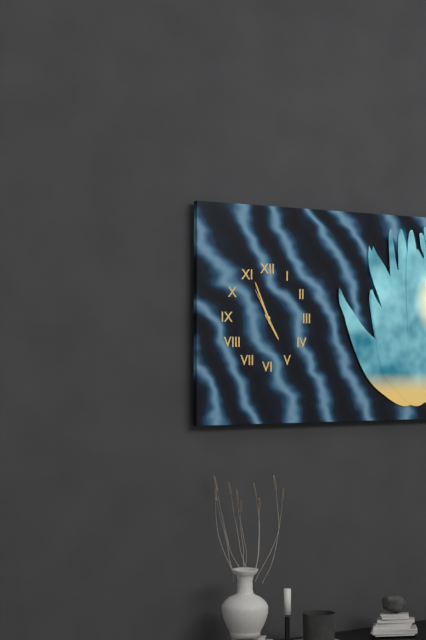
4:56
